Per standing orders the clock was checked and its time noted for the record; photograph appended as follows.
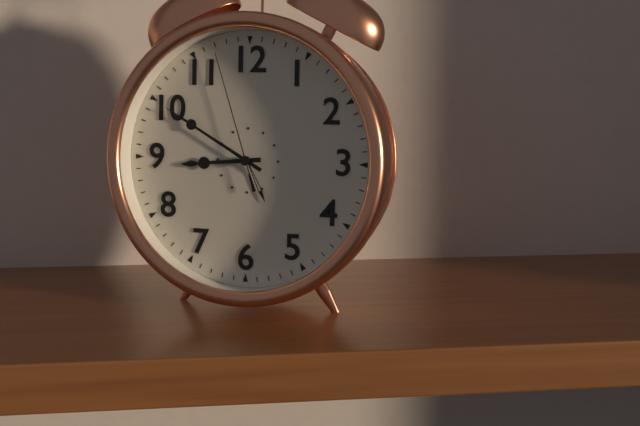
8:50:57
